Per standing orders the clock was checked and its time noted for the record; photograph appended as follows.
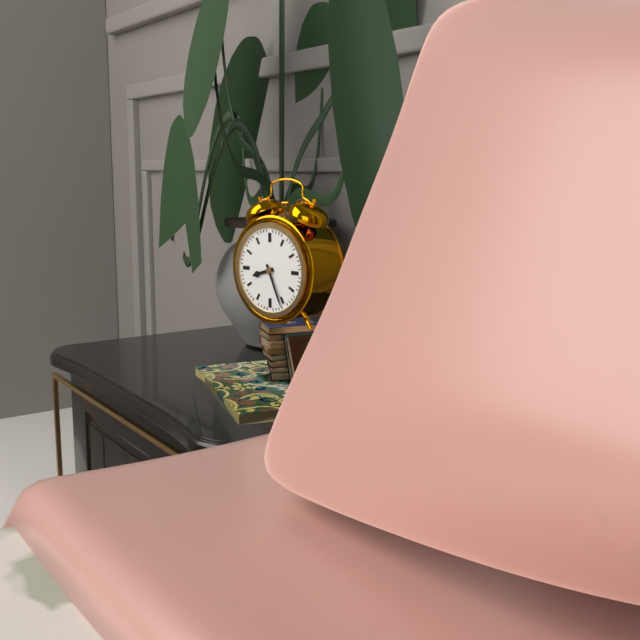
8:26
